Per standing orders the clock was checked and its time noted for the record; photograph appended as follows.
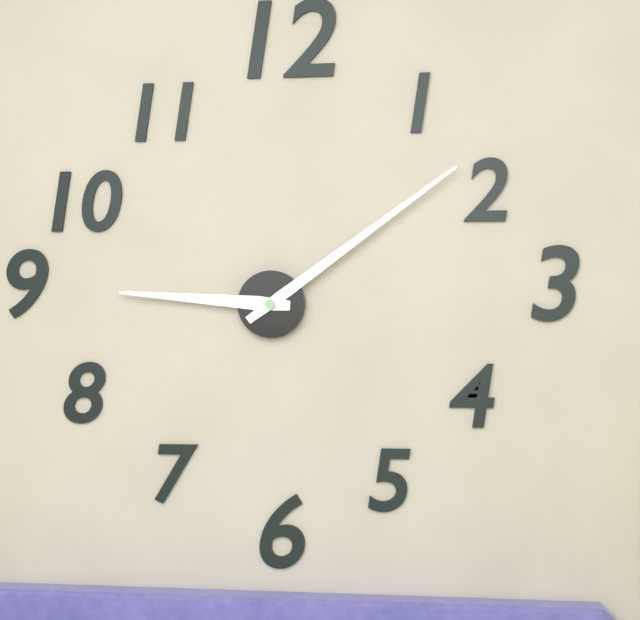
9:09
